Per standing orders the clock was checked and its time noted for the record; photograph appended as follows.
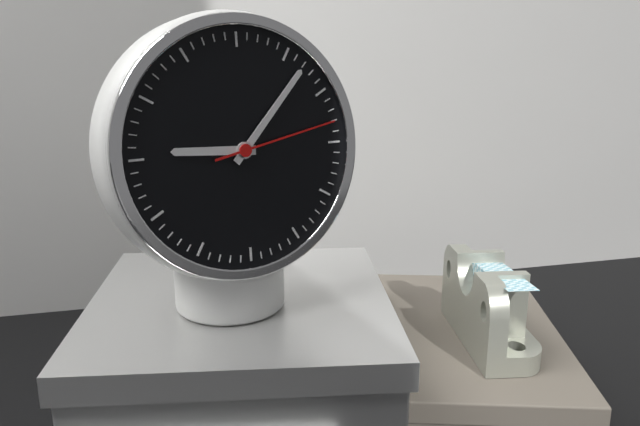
9:07:13
